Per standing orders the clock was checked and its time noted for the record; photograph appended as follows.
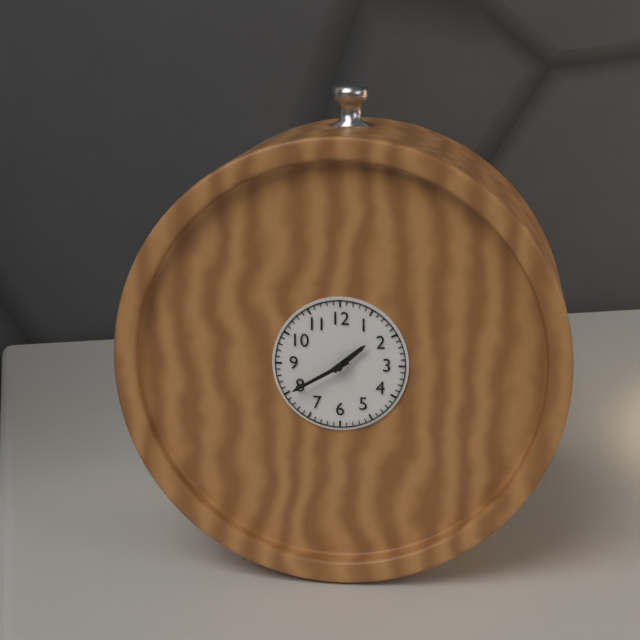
1:40
